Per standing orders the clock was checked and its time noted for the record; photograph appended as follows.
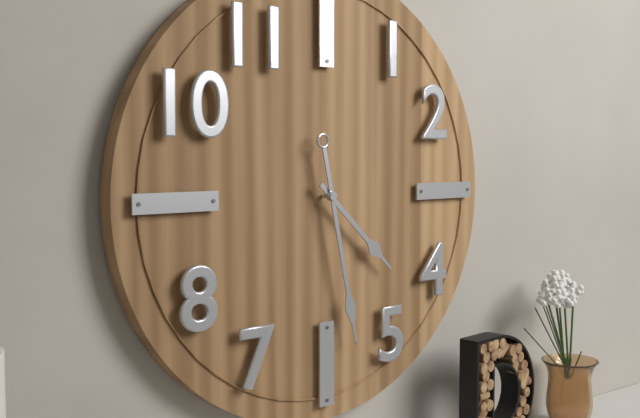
4:28
